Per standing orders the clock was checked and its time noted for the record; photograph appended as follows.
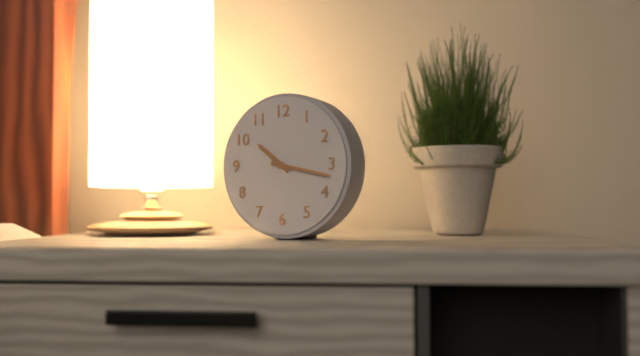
10:17
